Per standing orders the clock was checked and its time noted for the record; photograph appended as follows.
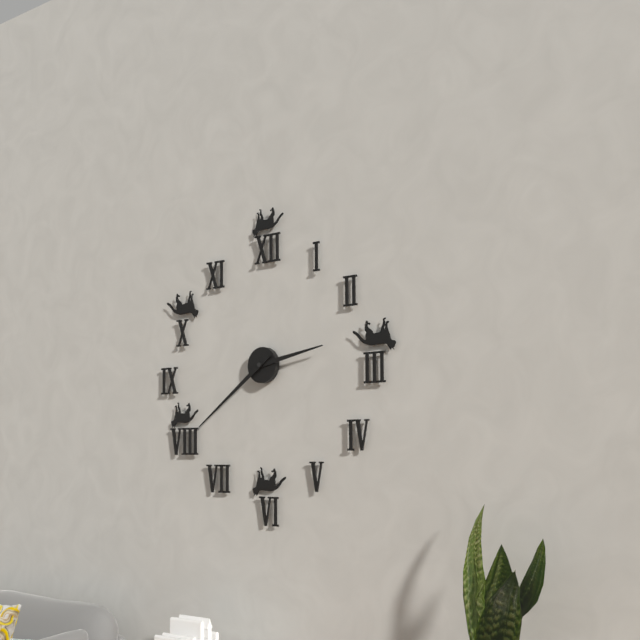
2:39
